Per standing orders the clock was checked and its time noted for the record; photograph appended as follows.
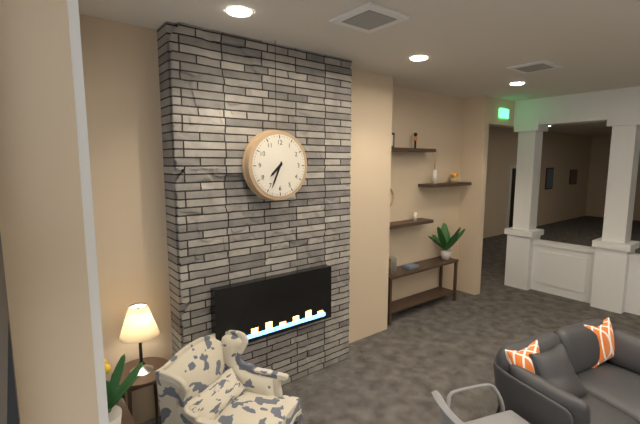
7:34
